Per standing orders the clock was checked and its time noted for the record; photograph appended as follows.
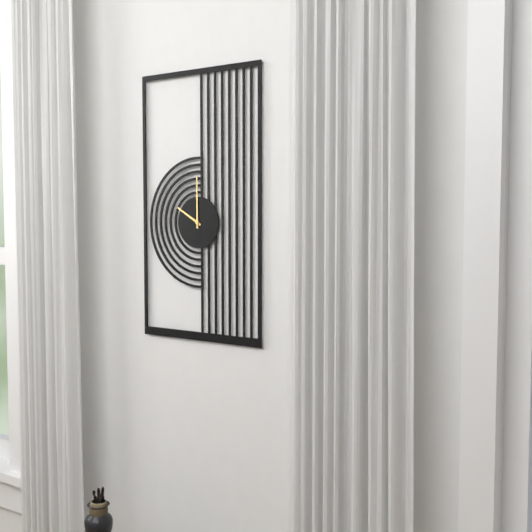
10:00
